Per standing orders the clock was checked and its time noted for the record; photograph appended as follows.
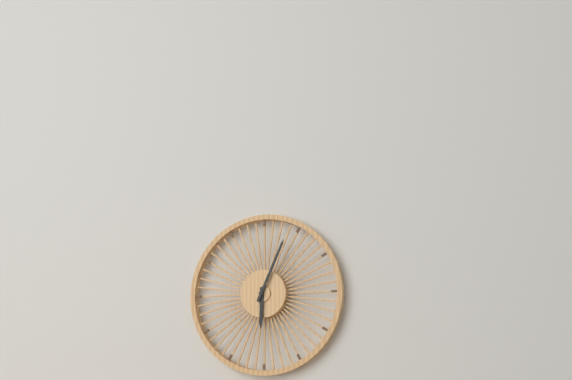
6:04
